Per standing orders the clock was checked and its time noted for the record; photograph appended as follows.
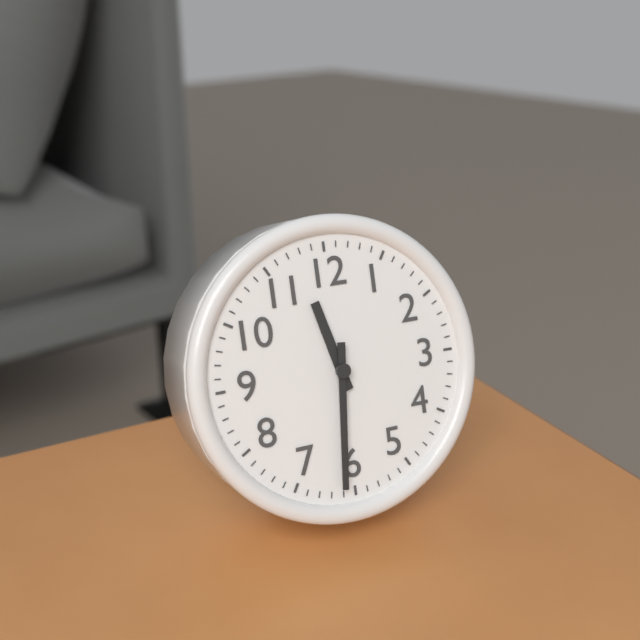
11:31
